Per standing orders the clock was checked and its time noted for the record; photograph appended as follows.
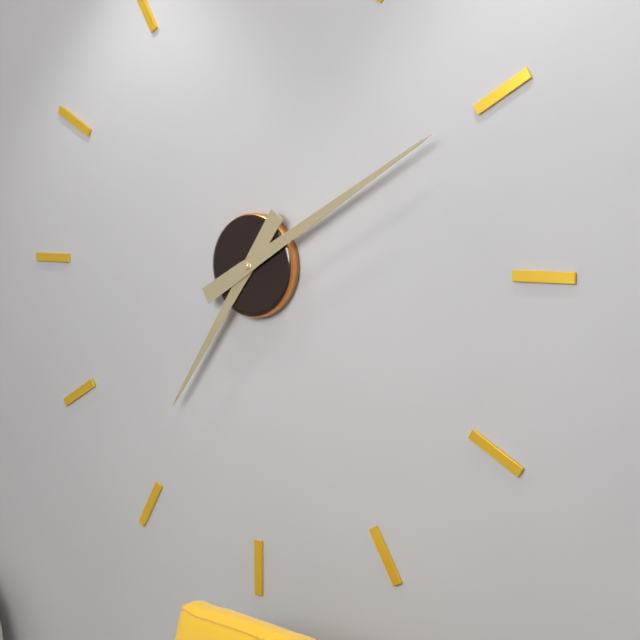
7:10
